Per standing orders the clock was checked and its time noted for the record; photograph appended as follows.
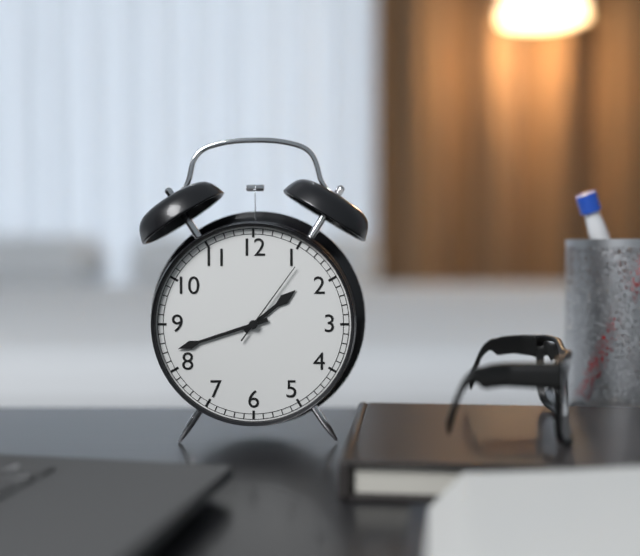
1:42:06
